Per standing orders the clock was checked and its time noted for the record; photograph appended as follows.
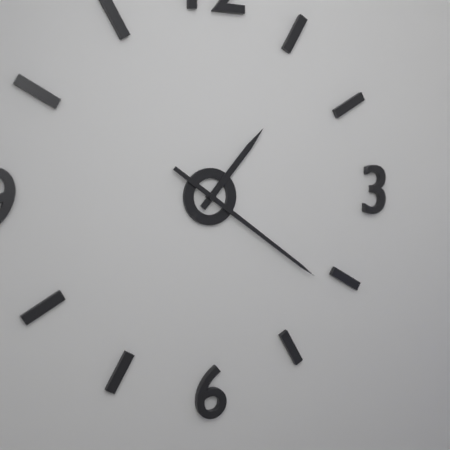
1:21
